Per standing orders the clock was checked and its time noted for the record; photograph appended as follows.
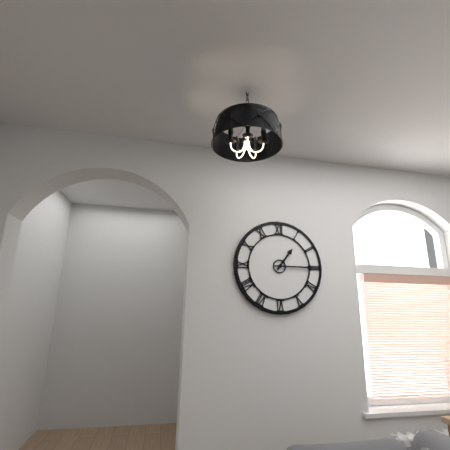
1:15
